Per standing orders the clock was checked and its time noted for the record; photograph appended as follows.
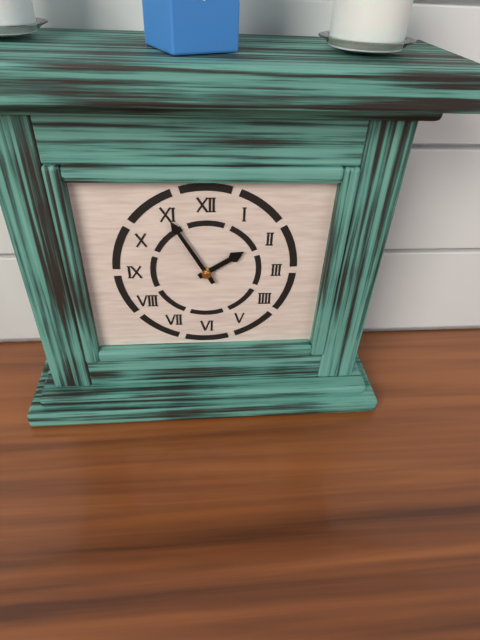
1:55
